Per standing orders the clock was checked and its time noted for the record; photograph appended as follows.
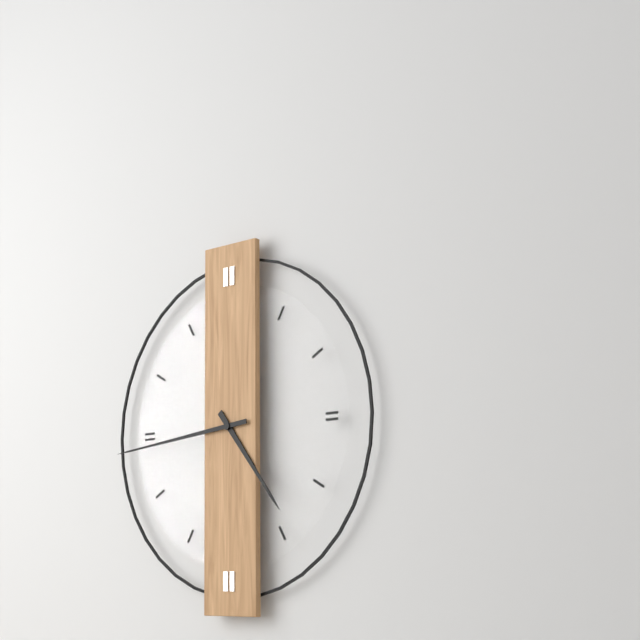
4:44
